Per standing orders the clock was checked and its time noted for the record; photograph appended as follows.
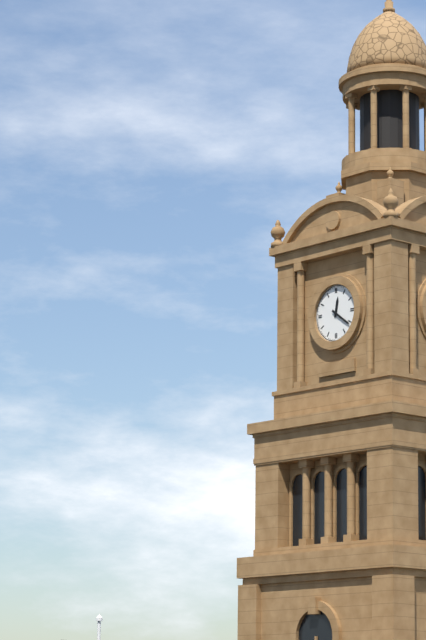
12:21
